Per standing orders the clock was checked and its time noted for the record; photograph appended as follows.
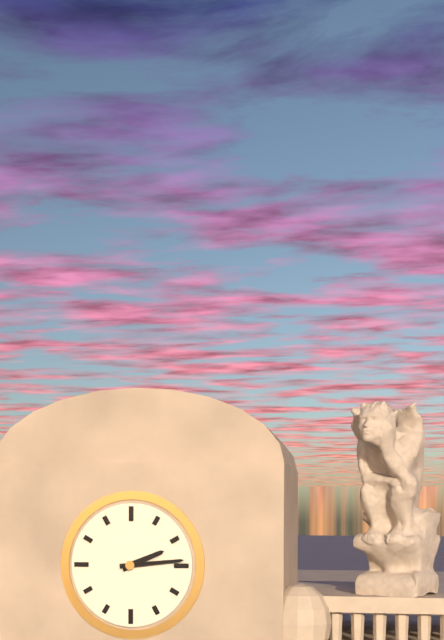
2:14
